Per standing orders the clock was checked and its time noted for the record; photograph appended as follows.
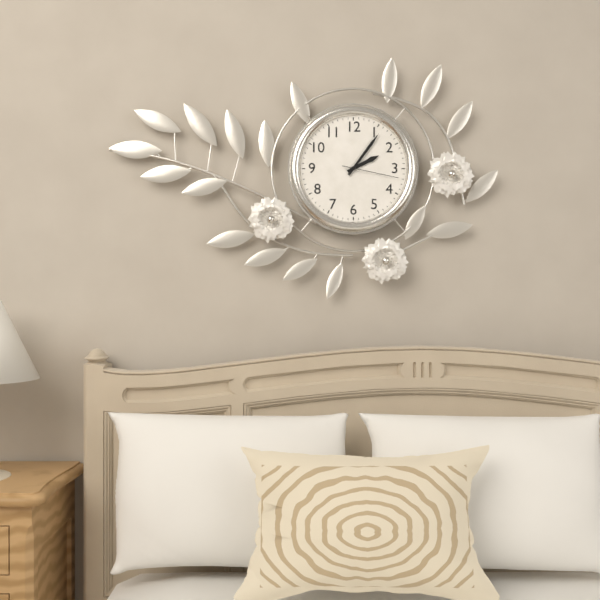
2:06:17
